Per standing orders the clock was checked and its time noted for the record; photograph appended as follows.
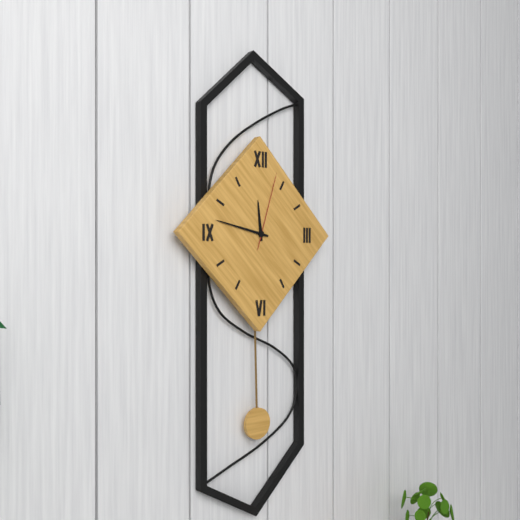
11:47:03
